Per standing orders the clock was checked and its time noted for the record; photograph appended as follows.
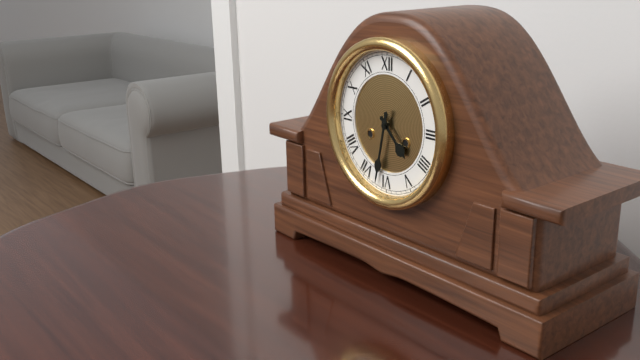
4:32
